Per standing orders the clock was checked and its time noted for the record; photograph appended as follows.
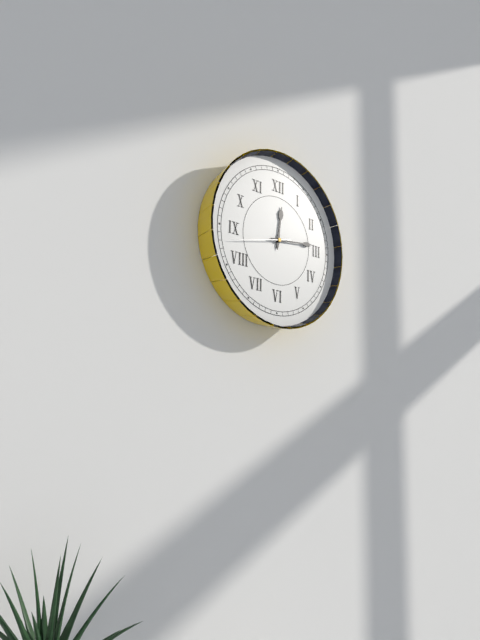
12:14:43
